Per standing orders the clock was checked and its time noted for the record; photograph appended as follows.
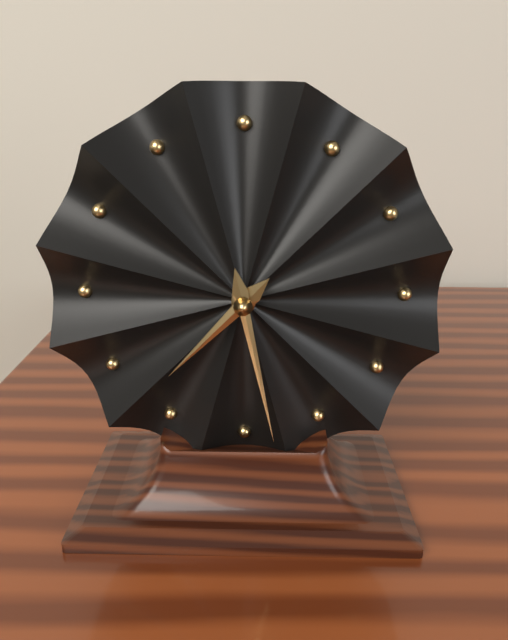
7:28
